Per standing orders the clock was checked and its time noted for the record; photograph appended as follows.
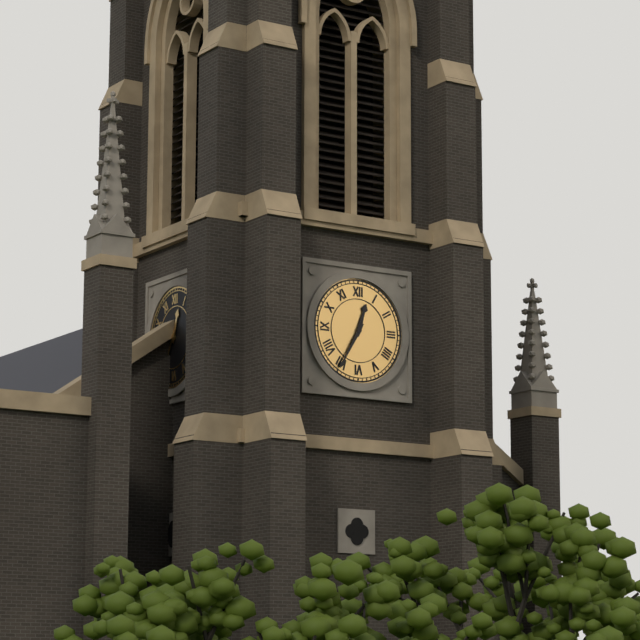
12:35
